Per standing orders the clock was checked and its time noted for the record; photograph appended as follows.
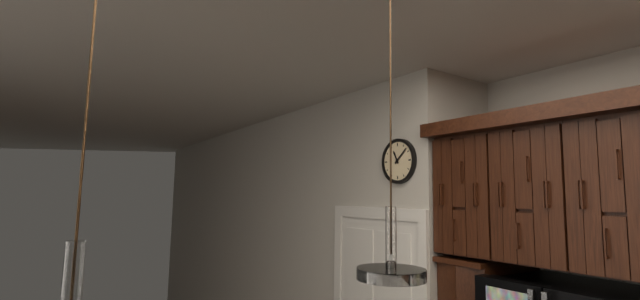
11:08
